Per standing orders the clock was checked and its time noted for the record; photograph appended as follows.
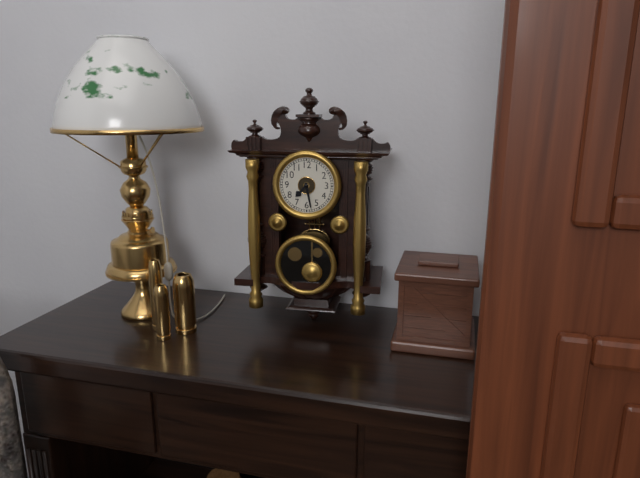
7:28
